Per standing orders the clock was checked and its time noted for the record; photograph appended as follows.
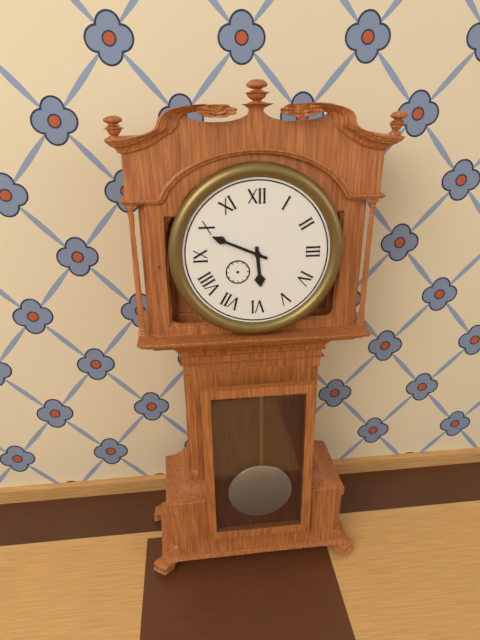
5:49
